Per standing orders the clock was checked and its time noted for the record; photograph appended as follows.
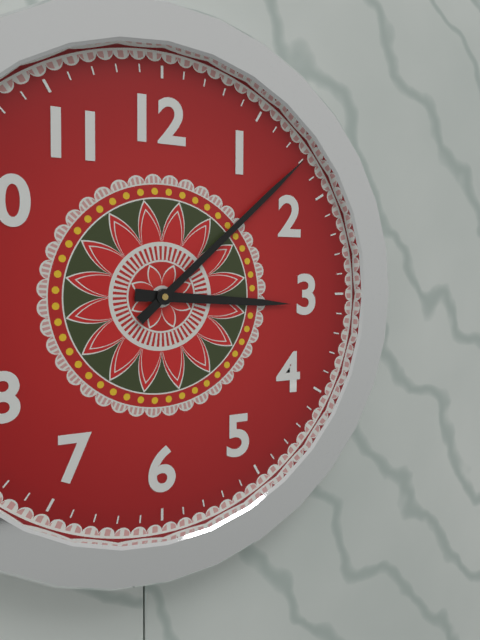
3:08
